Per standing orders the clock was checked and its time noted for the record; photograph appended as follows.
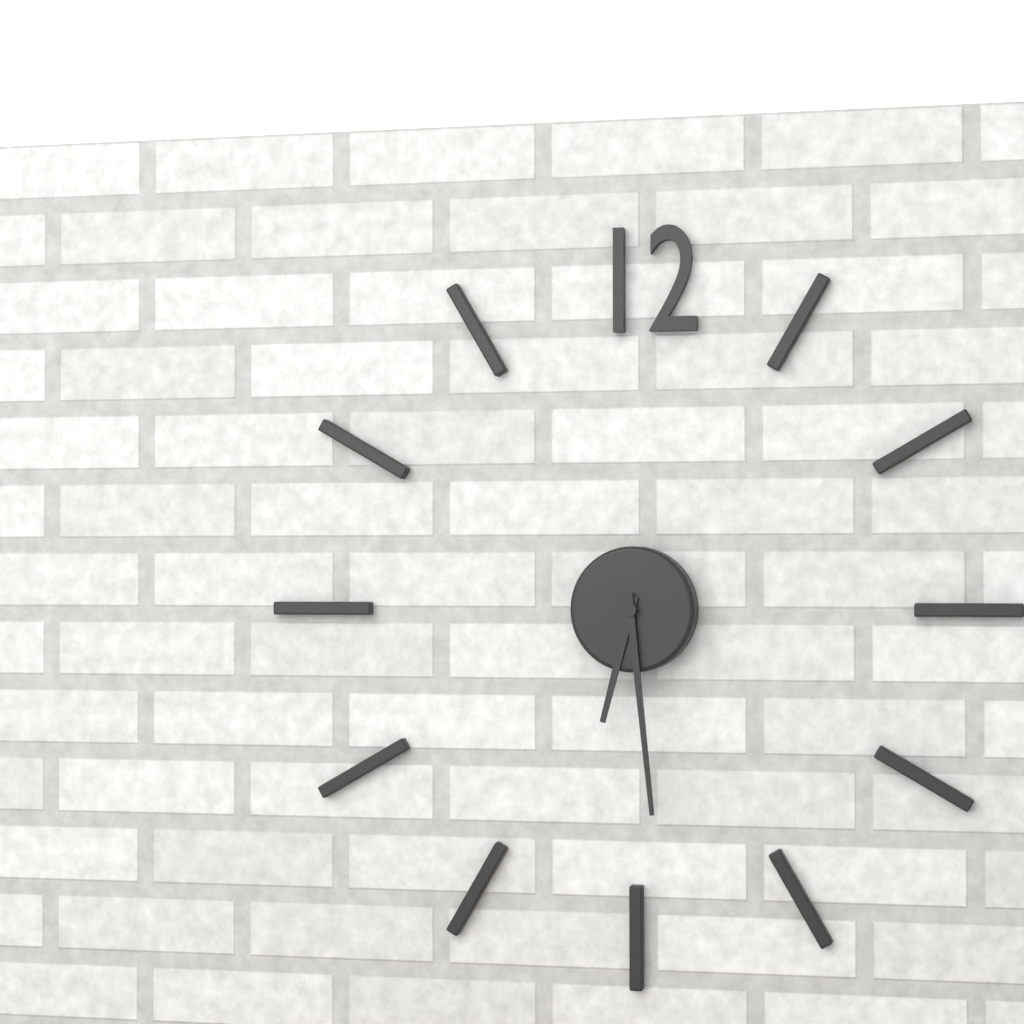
6:29
